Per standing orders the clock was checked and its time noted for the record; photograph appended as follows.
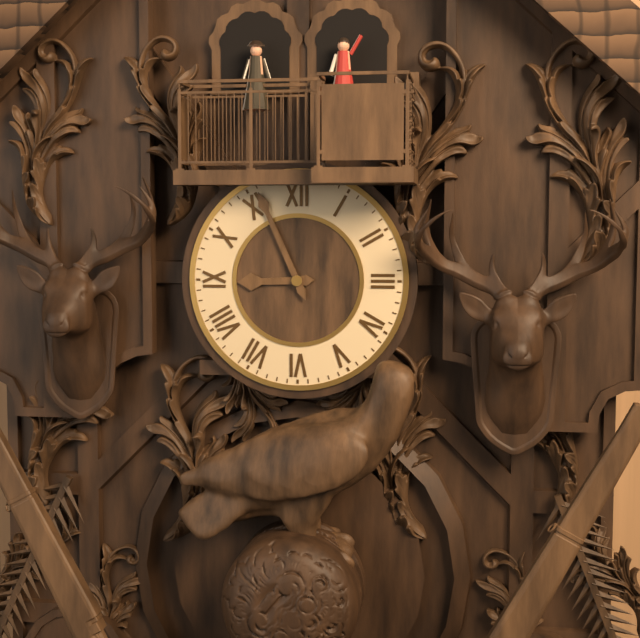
8:56
